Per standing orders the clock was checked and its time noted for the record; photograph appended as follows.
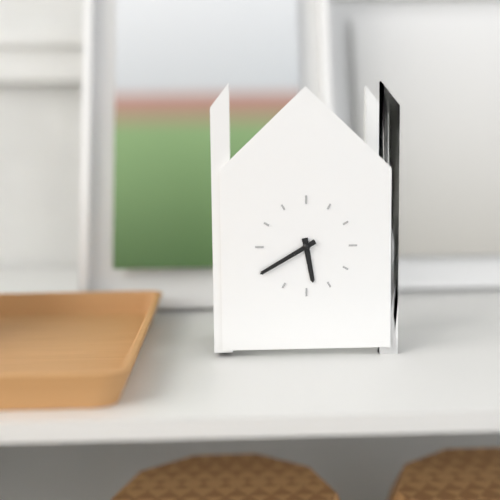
5:40
